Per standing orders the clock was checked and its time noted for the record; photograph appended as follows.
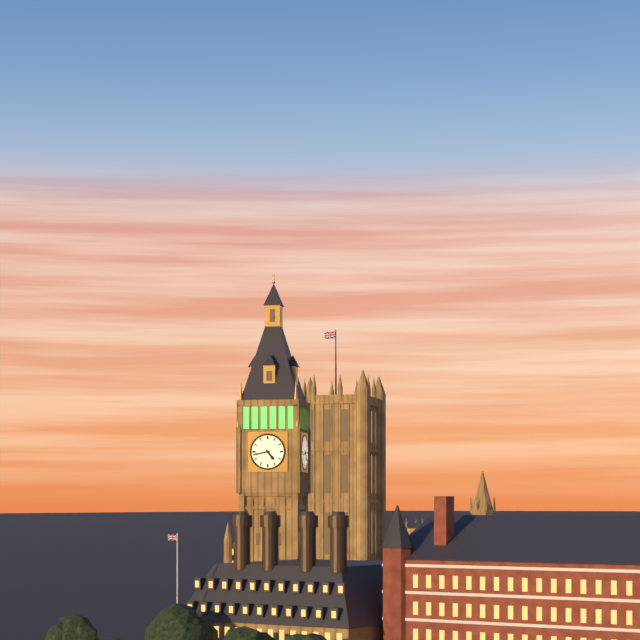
4:43
